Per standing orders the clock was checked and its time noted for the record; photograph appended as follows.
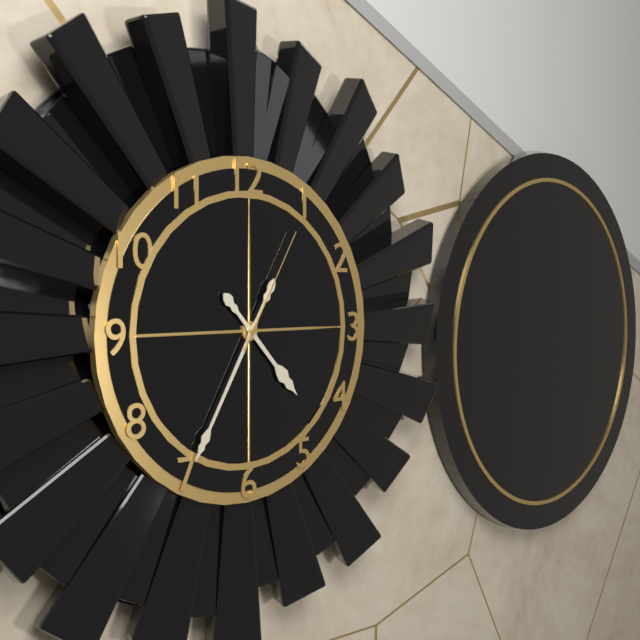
4:35:05
